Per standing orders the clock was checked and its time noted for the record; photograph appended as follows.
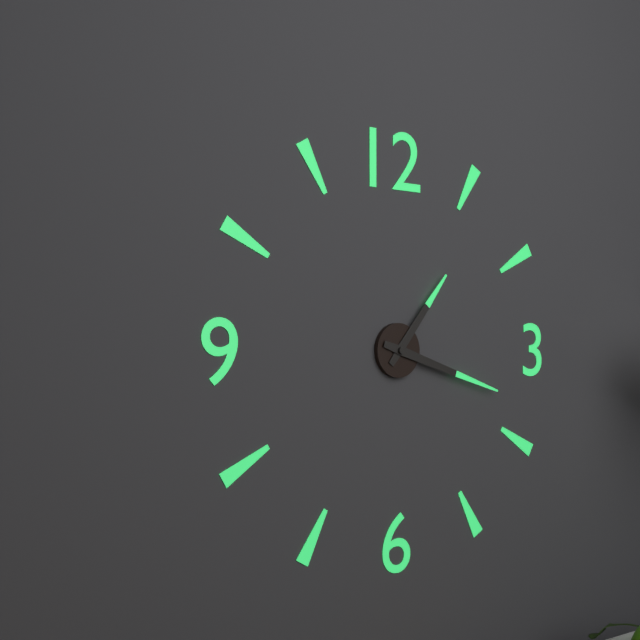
1:18
